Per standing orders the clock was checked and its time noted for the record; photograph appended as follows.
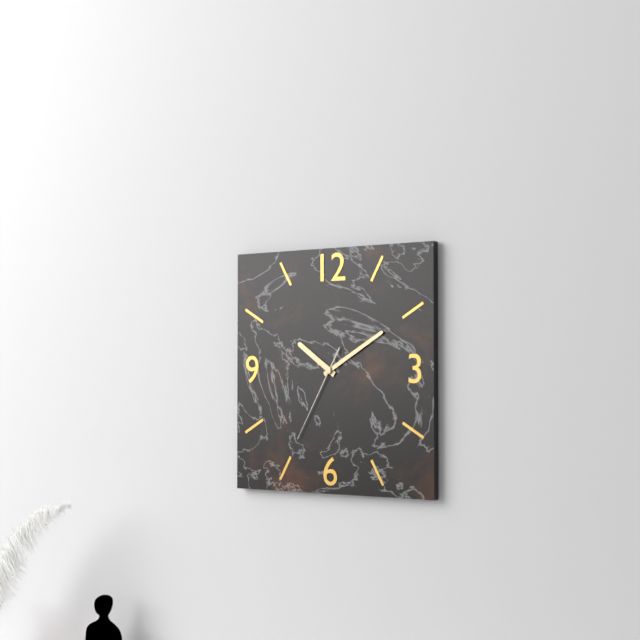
10:10:35
